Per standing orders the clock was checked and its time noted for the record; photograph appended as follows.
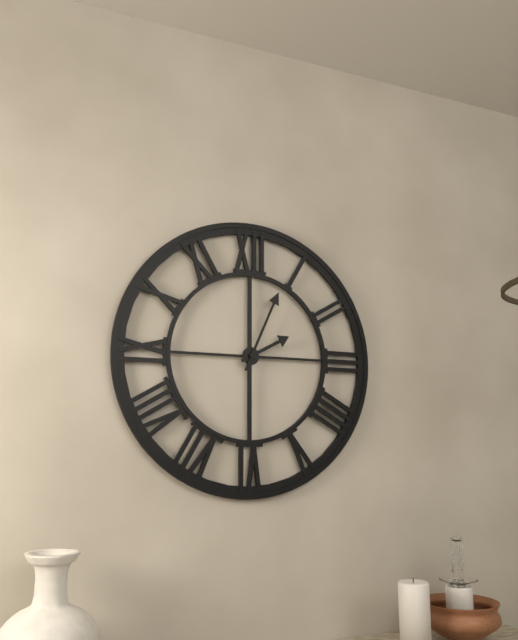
2:04
